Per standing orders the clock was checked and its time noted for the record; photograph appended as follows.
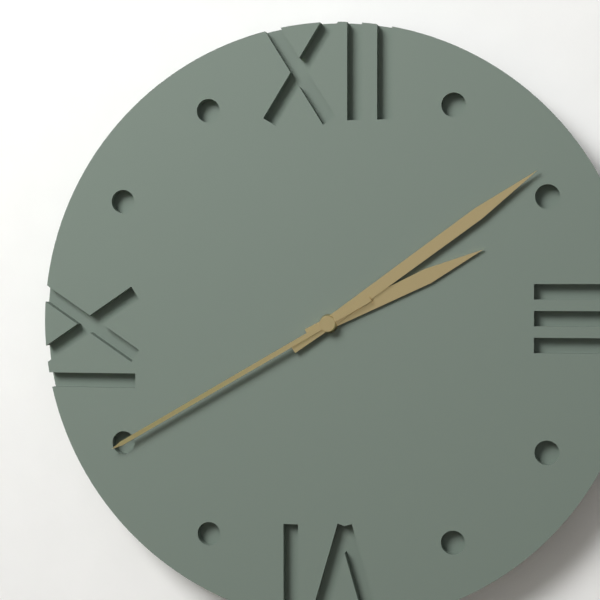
2:09:40
